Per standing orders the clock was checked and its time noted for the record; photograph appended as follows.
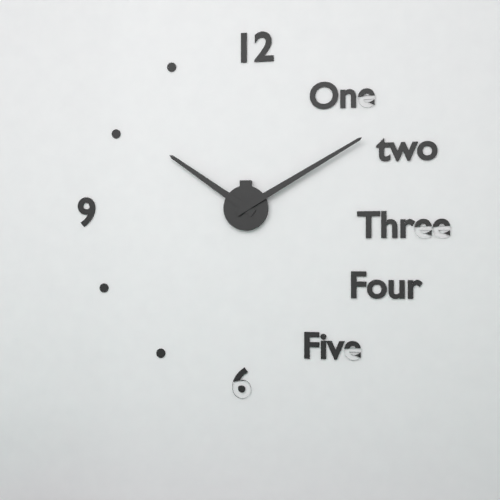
10:10
